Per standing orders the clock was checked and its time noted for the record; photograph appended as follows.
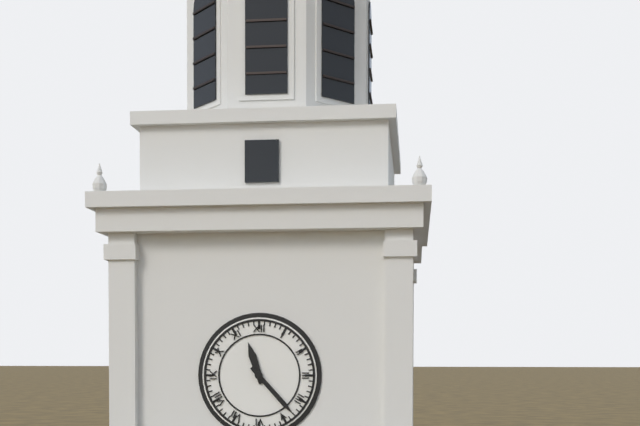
11:23
